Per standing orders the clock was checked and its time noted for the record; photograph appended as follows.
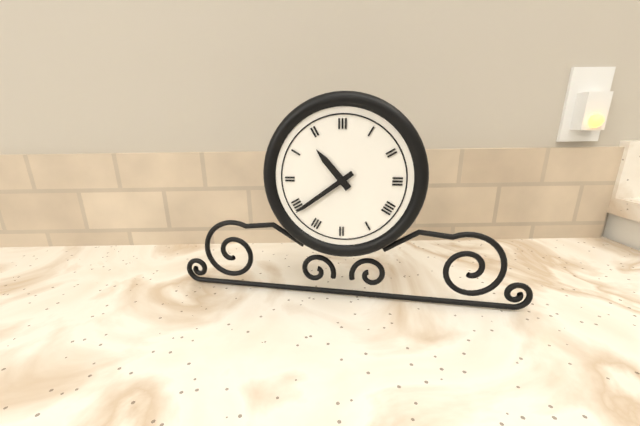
10:39
